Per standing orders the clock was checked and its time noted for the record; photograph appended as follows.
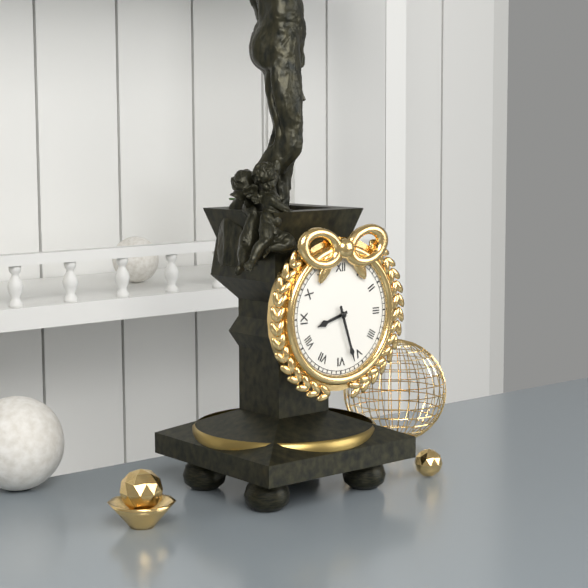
8:27
